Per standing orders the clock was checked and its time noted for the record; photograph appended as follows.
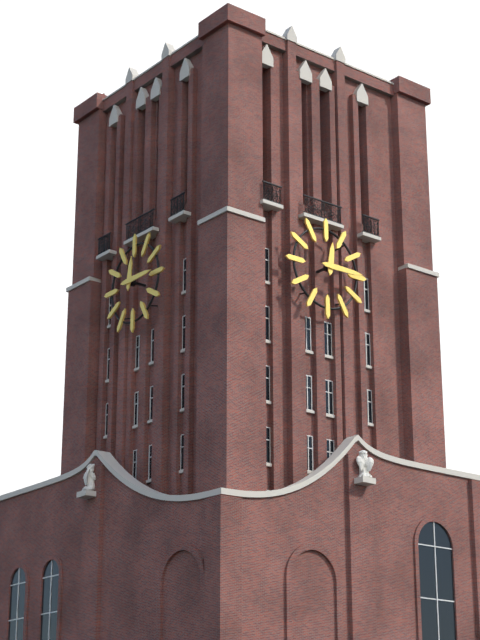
12:15
